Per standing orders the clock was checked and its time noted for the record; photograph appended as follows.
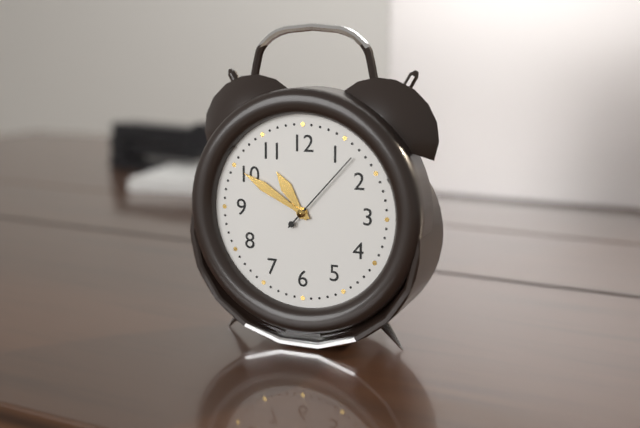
10:50:07
